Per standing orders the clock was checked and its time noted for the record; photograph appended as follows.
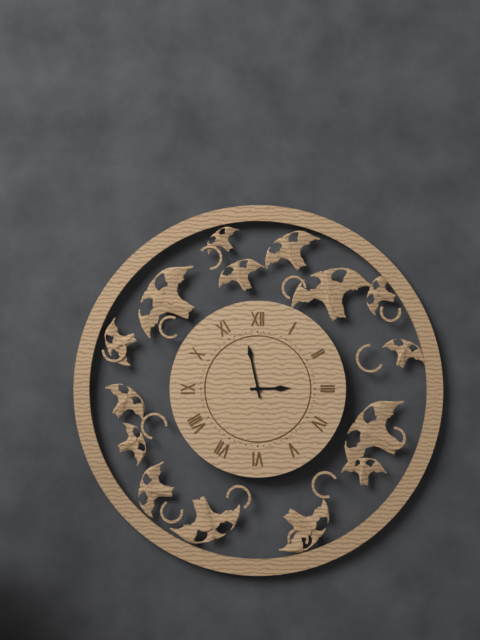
2:58
